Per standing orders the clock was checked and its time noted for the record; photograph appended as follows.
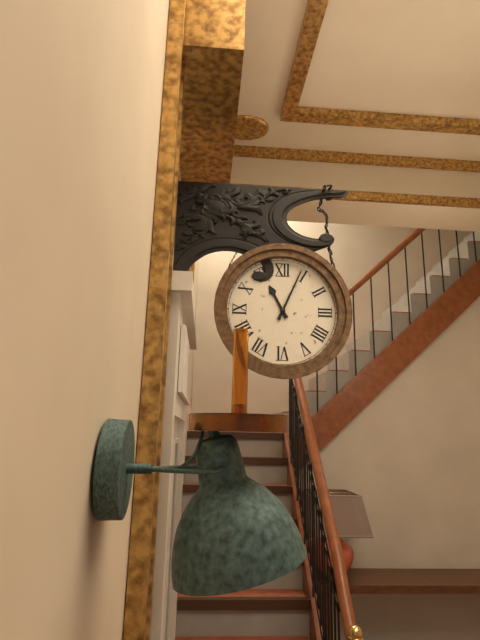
11:04
